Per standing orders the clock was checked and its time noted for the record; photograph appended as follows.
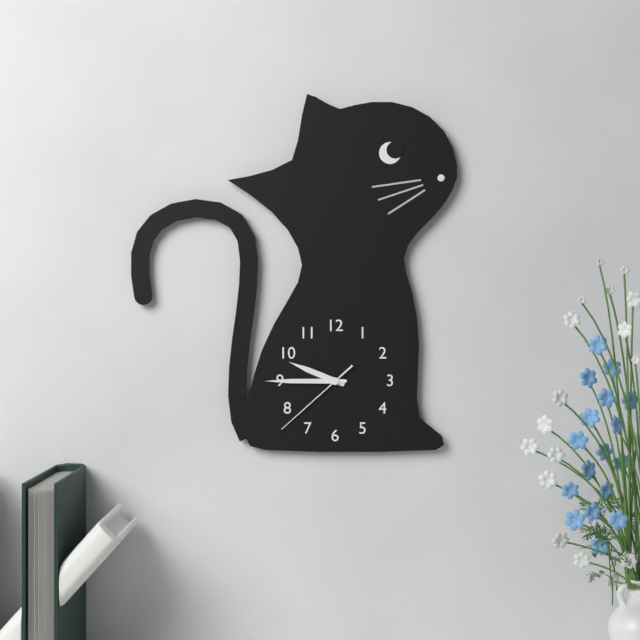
9:45:38
